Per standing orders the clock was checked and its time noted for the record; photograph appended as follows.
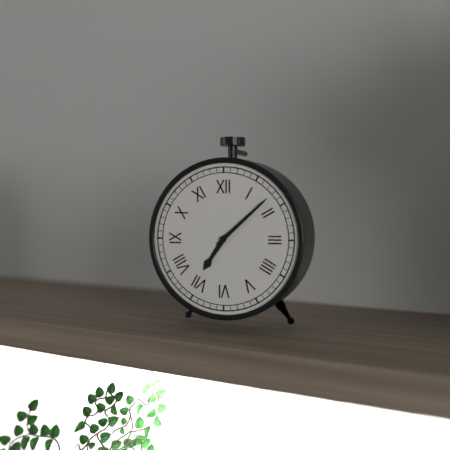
7:08
